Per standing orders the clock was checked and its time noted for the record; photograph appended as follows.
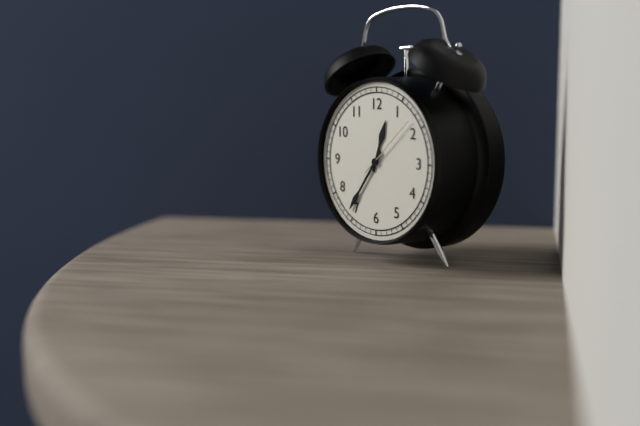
12:36:08
